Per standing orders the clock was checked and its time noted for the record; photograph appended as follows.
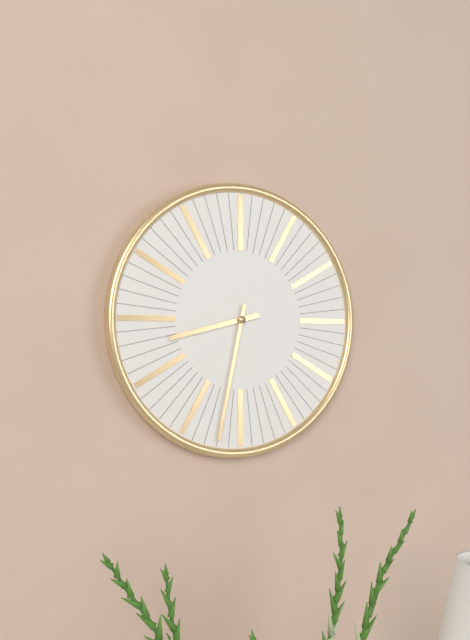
8:32
